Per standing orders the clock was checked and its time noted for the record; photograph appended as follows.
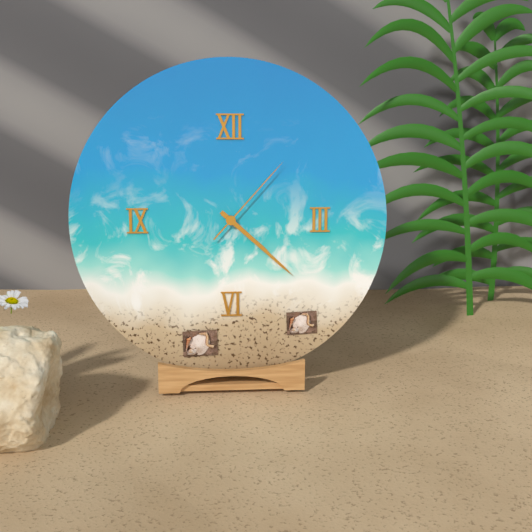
4:22:07
